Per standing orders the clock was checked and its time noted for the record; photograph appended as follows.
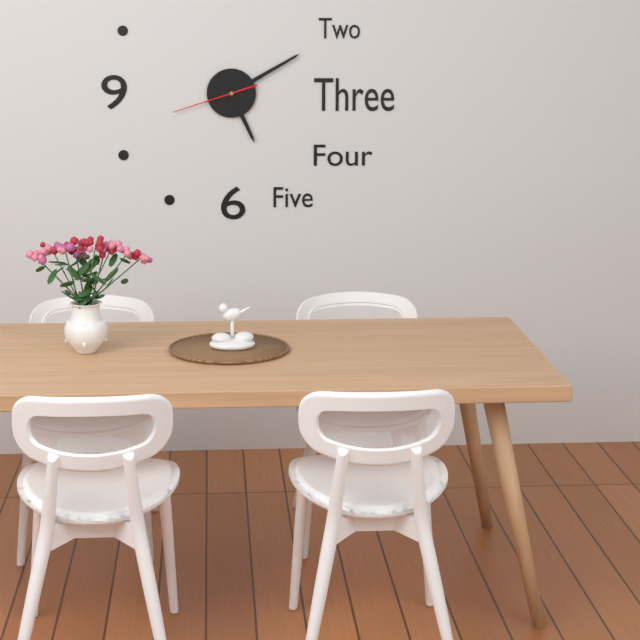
5:10:42
